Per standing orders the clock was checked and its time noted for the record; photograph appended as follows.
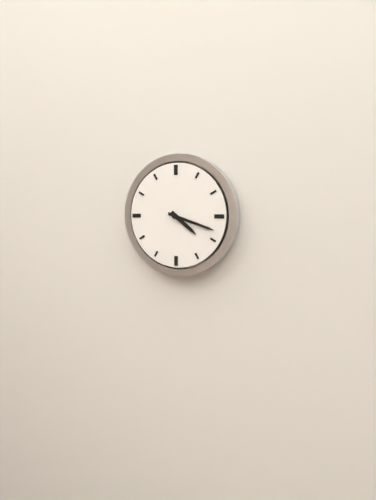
4:18
